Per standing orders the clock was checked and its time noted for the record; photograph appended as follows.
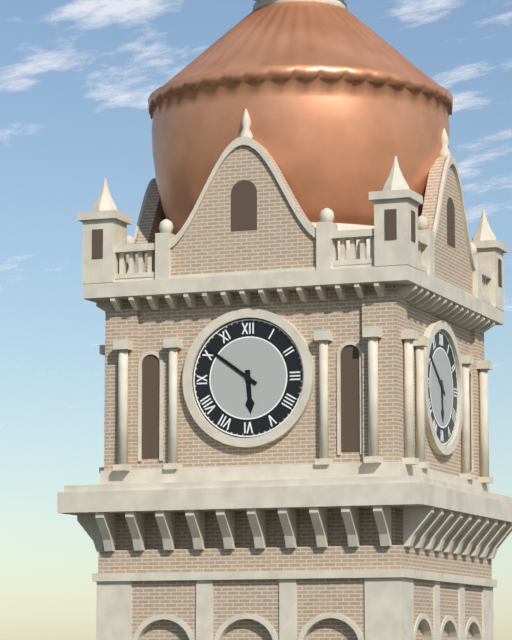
5:51
